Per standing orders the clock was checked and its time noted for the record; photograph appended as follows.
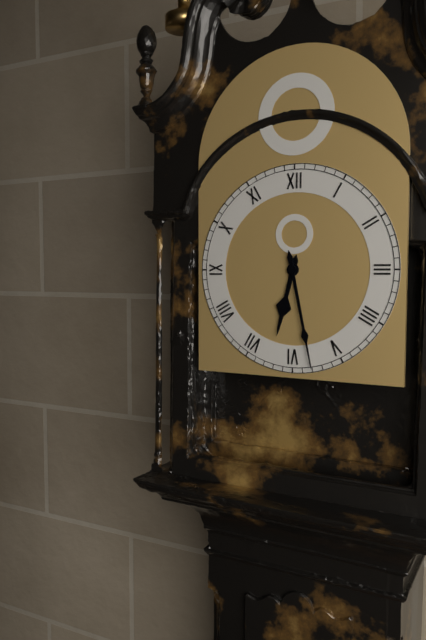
6:28
